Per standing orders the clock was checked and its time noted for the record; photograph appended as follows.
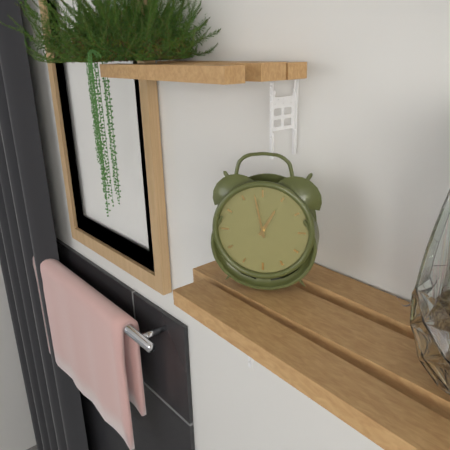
12:58
